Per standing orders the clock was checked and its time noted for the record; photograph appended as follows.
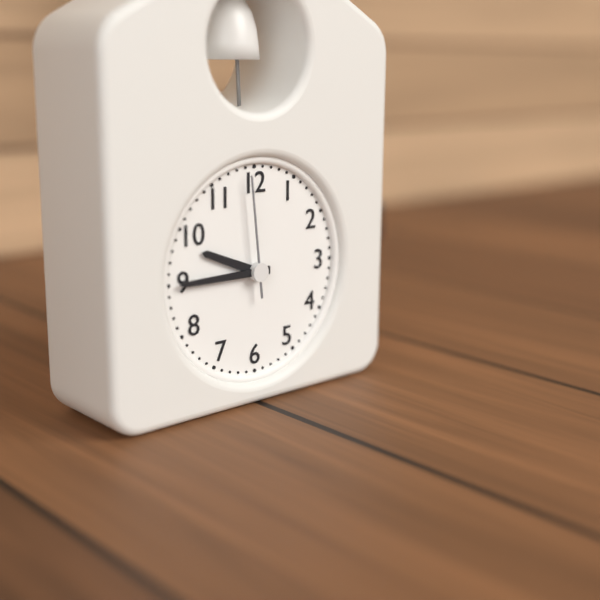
9:45:59
